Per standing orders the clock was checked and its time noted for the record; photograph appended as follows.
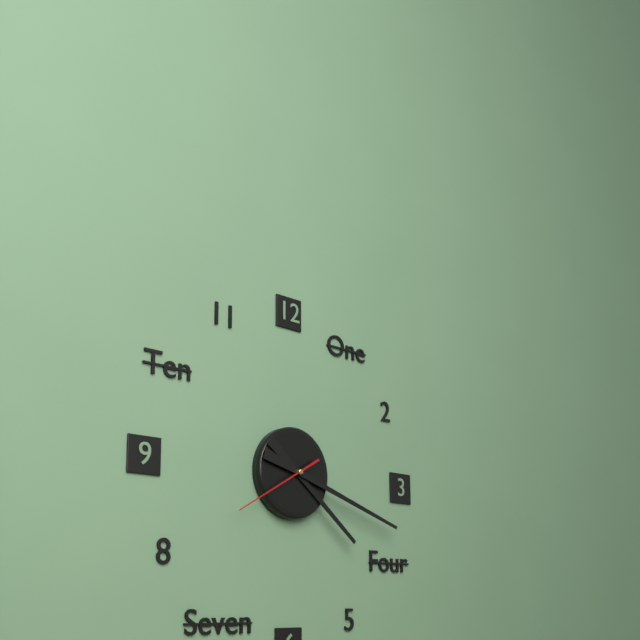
4:18:40
